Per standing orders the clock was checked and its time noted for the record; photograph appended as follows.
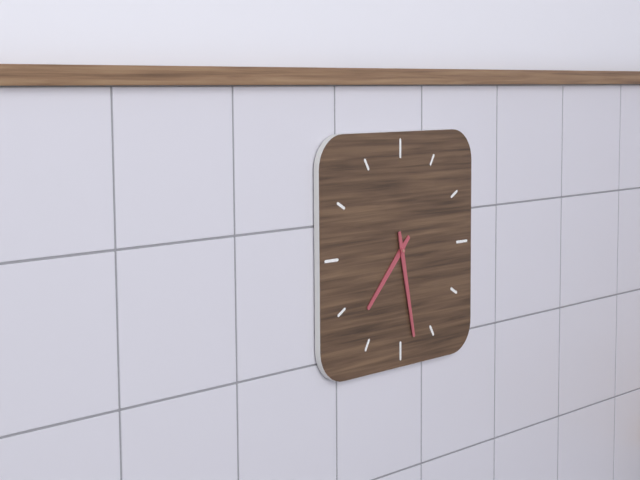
7:28
